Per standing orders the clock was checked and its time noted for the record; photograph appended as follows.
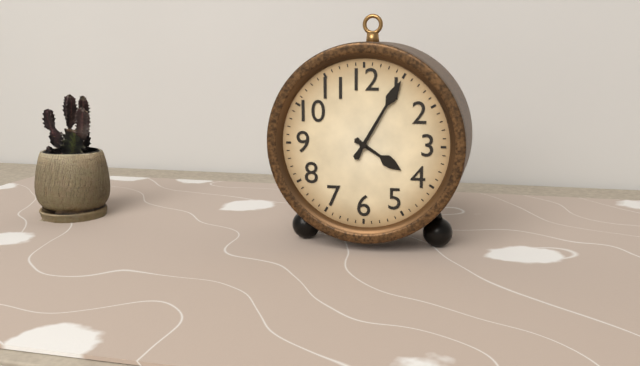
4:05
